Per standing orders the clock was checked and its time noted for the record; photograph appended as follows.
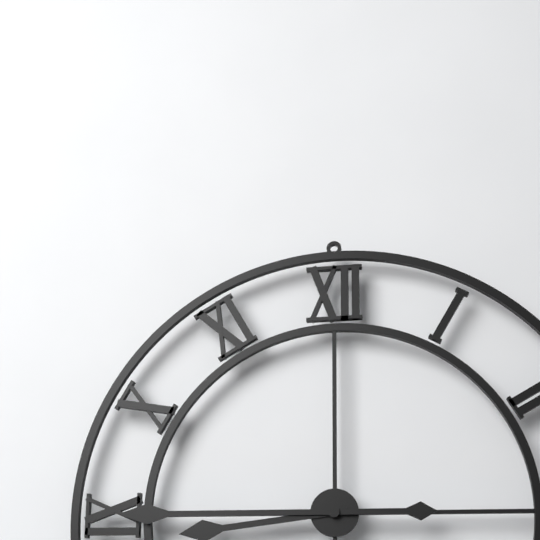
8:45
